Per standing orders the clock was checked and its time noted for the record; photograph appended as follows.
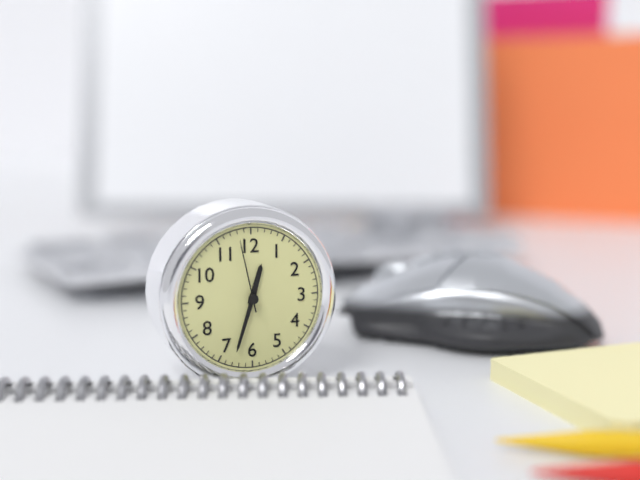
12:33:58
